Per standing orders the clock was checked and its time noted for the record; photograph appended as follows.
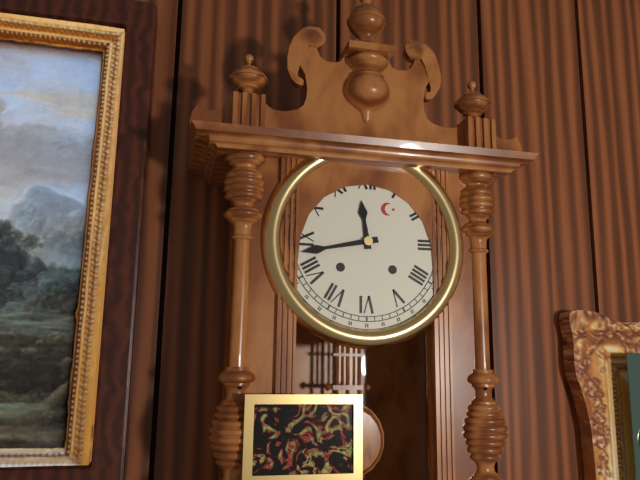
11:43
